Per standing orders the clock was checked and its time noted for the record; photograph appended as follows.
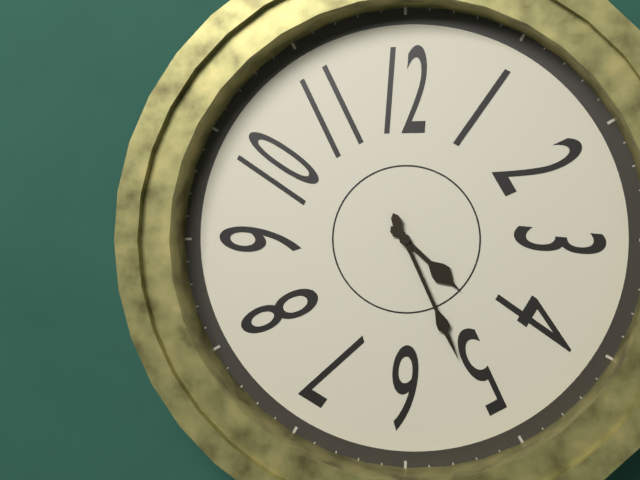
4:26
